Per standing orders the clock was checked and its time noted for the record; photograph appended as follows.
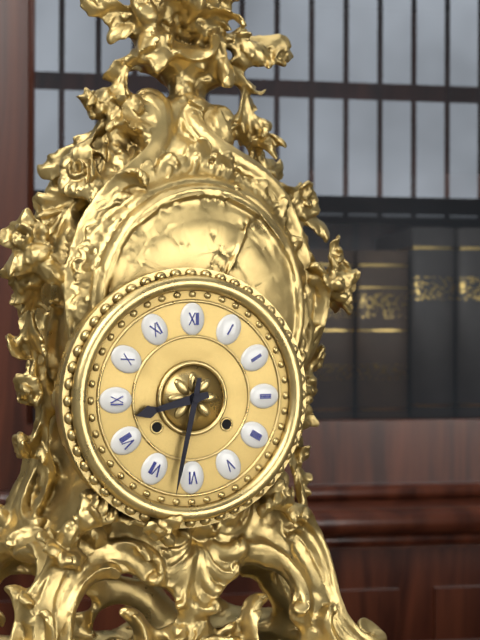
8:32
